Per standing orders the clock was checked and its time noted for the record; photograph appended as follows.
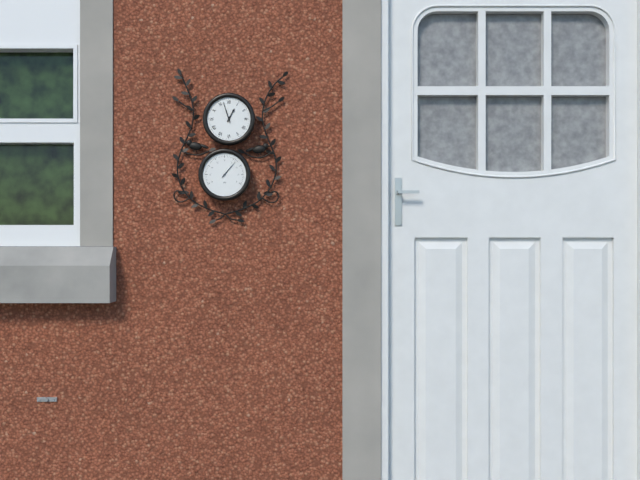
12:57
